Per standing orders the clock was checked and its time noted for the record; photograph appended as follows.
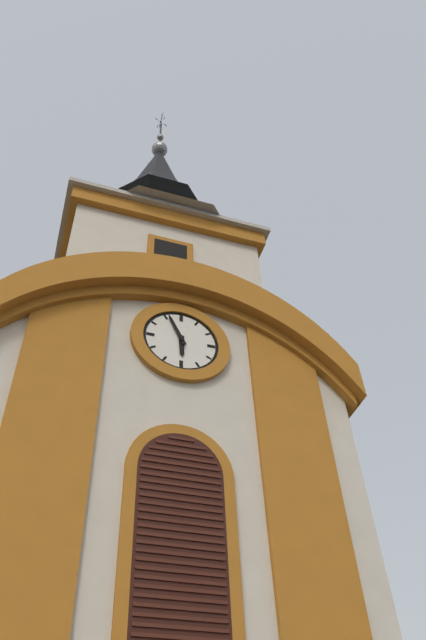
5:56
